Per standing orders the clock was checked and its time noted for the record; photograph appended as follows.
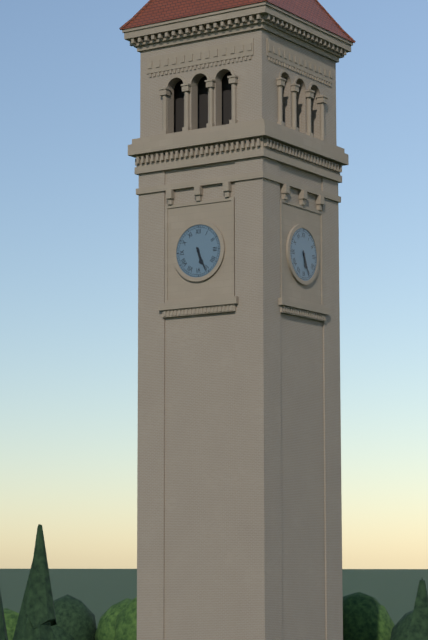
5:26
